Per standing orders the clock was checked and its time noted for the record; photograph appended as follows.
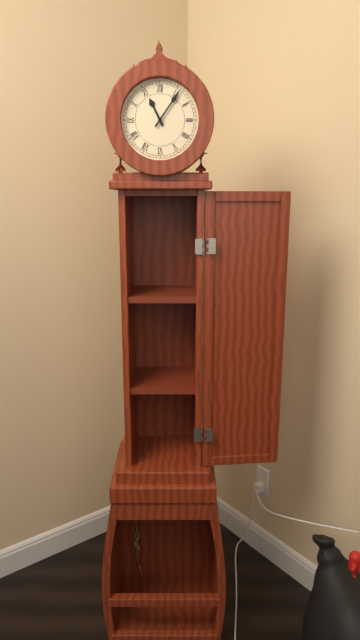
11:06
